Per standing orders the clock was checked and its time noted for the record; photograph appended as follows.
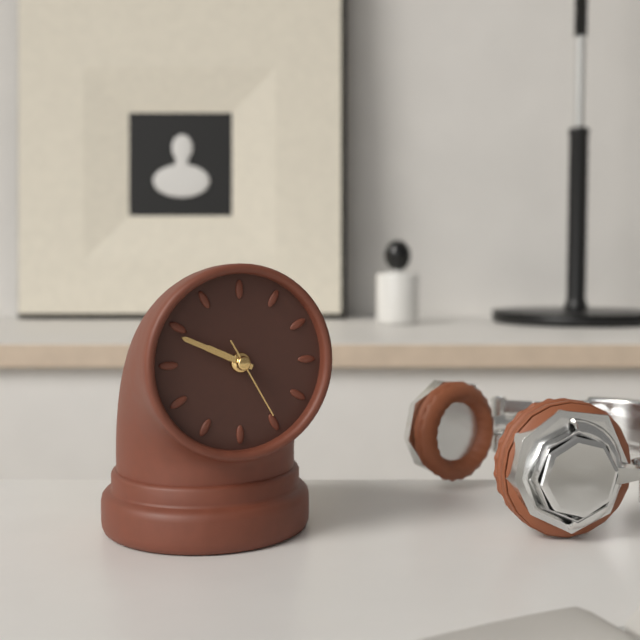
9:49:25
